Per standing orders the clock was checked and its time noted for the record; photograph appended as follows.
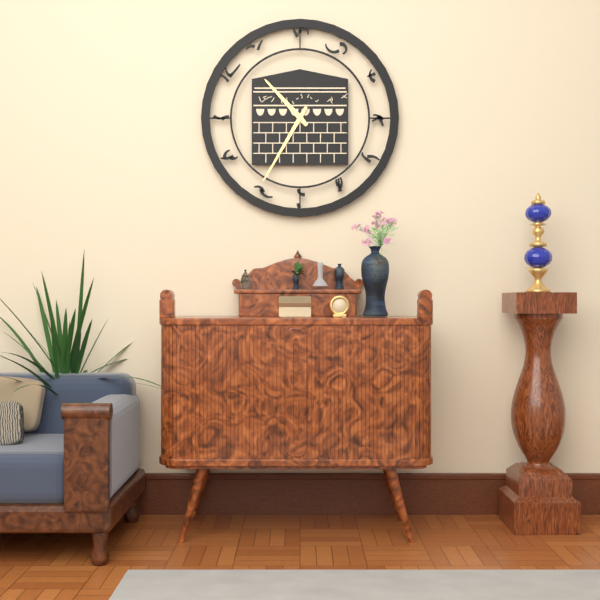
10:35
